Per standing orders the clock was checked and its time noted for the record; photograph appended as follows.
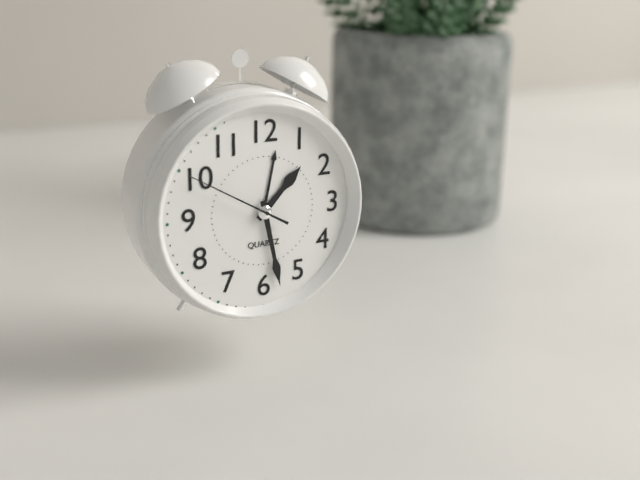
1:28:50
